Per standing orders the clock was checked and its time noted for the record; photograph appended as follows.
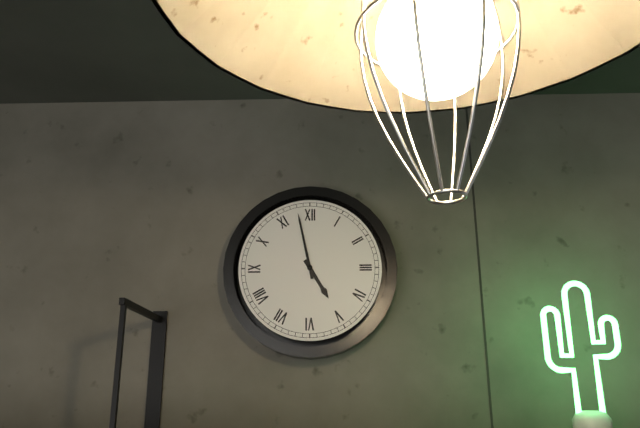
4:58
